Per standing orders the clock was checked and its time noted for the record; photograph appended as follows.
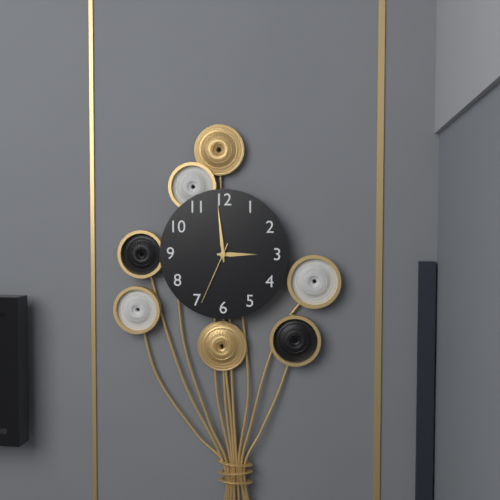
2:59:34
